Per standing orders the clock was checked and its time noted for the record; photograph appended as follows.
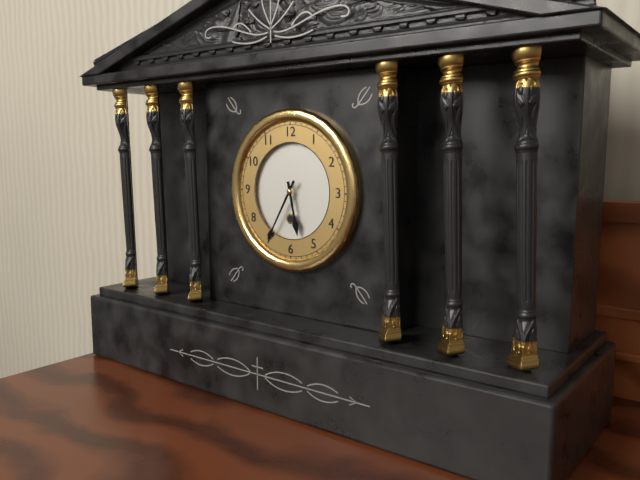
5:35
